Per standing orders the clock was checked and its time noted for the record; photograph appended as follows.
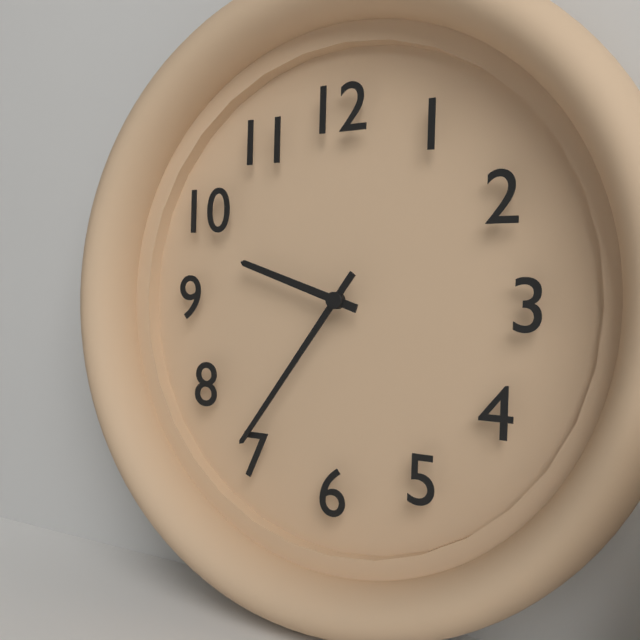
9:36
